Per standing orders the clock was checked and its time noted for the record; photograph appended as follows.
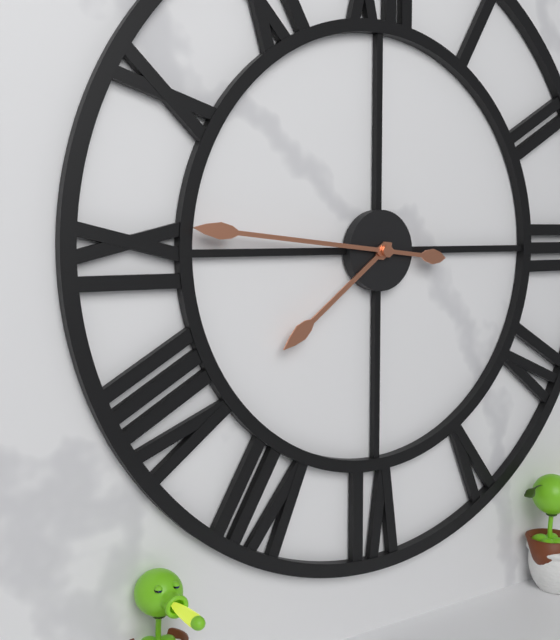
7:46
